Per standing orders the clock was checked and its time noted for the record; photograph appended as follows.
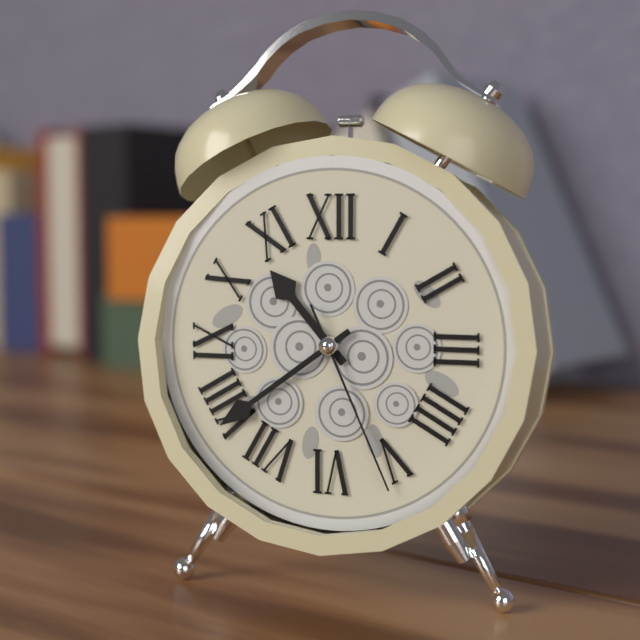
10:39:26
